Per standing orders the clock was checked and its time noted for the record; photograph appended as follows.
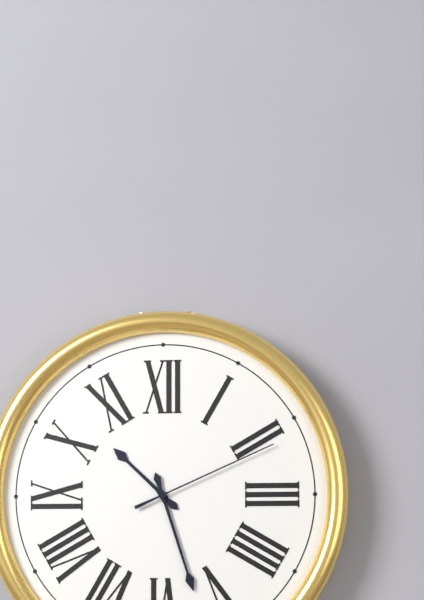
10:27:11
